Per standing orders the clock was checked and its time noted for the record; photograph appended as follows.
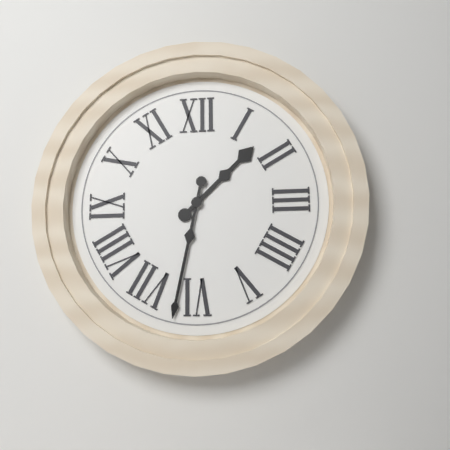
1:32
